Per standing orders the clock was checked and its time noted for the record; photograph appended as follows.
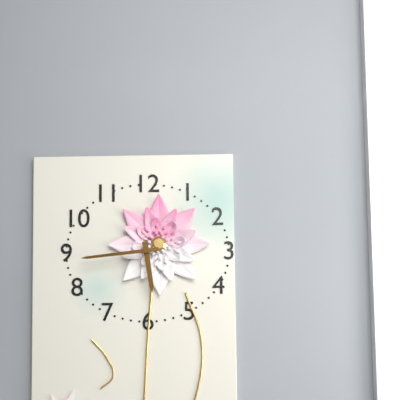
5:44
